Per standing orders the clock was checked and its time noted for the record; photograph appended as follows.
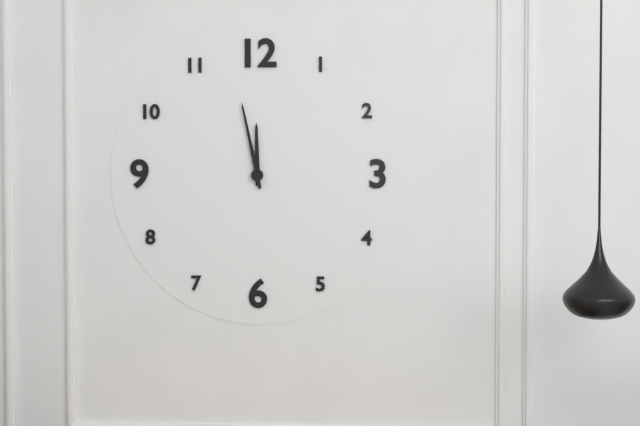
11:58
